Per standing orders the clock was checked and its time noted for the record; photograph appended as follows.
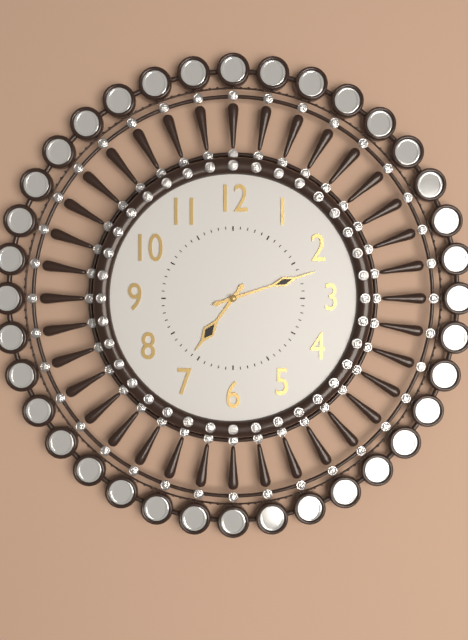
7:12
